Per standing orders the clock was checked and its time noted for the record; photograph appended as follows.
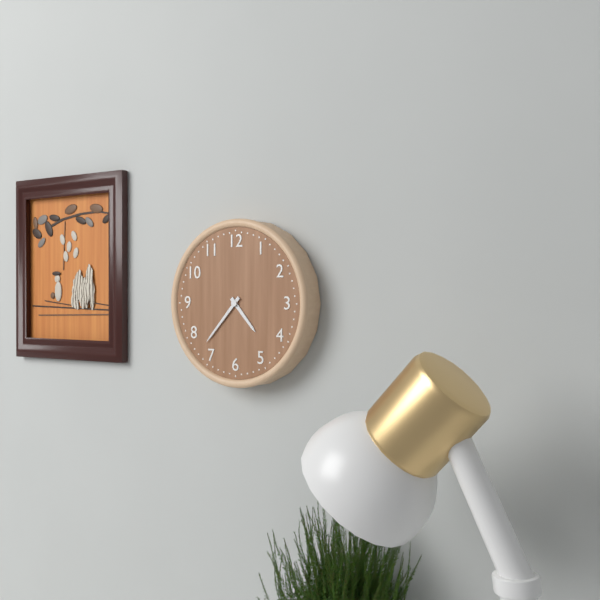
4:37
